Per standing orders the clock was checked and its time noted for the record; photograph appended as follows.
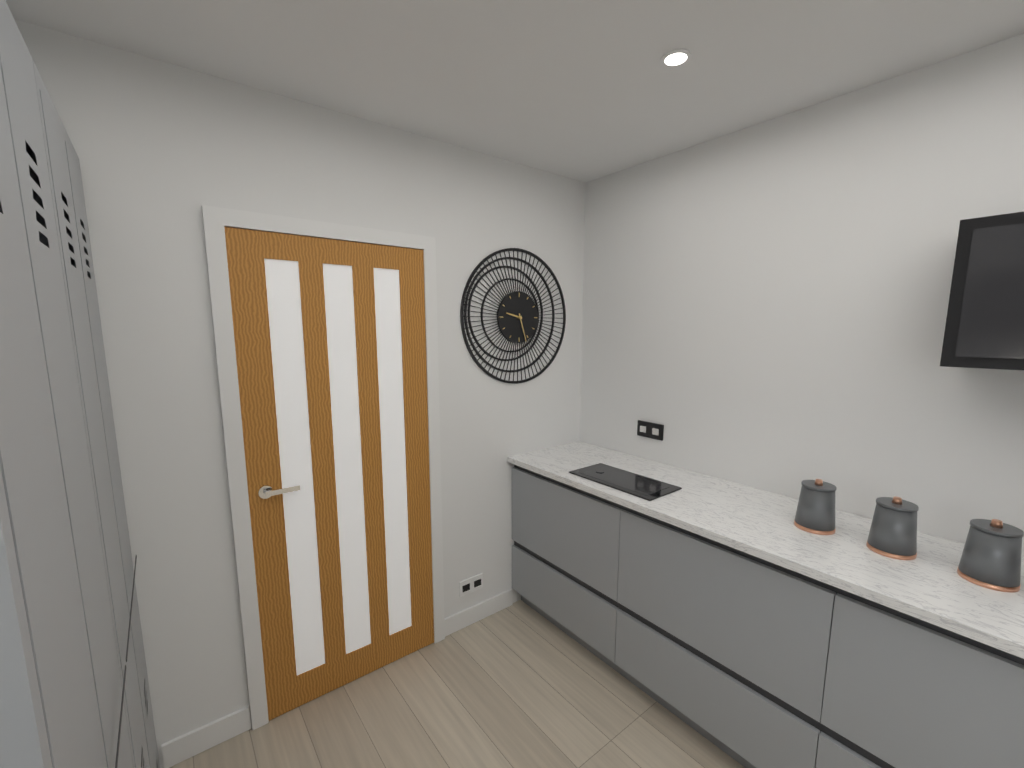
9:27
